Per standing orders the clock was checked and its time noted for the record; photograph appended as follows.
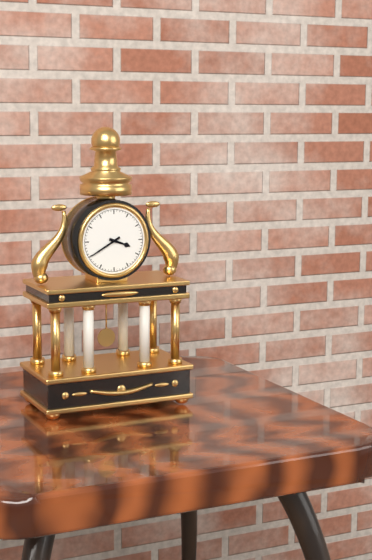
3:40
